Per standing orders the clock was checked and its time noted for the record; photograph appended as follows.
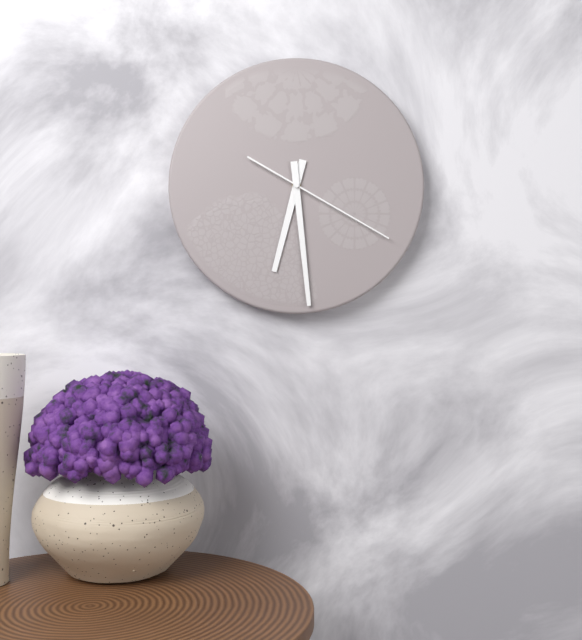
6:29:20
